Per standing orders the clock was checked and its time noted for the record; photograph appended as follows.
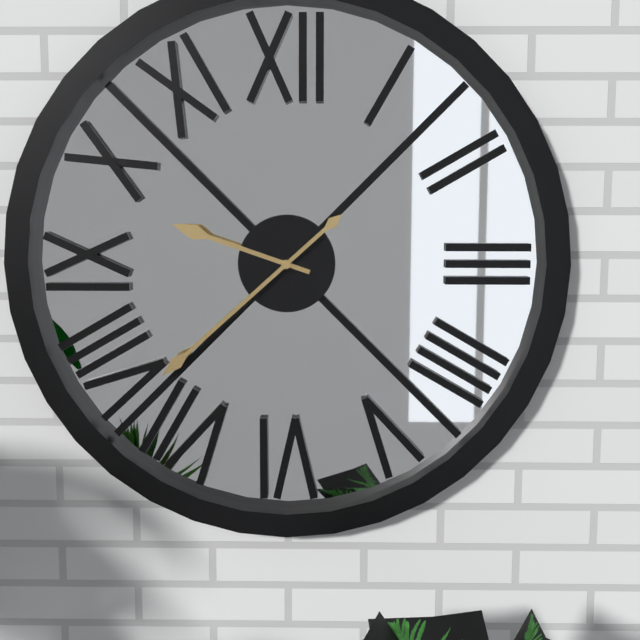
9:38
